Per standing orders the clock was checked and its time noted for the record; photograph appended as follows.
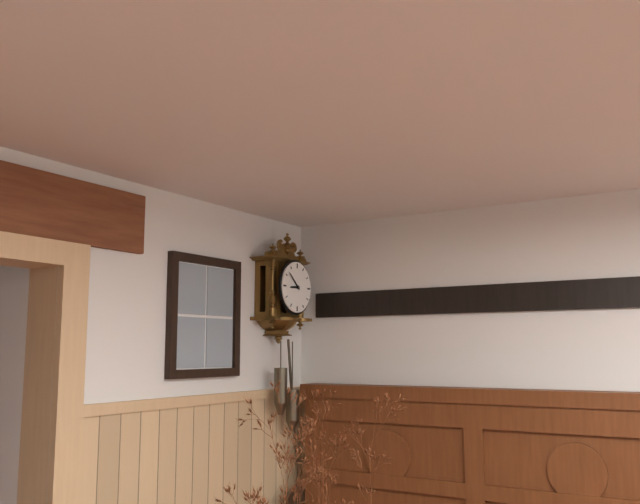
8:52
